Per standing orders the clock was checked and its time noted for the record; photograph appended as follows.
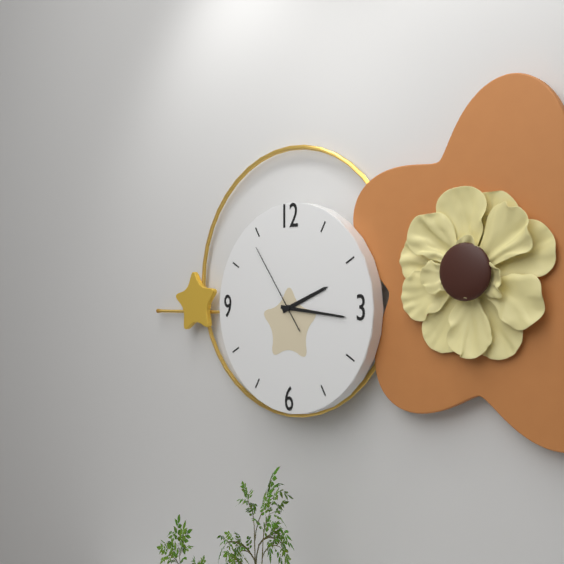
2:16:54
